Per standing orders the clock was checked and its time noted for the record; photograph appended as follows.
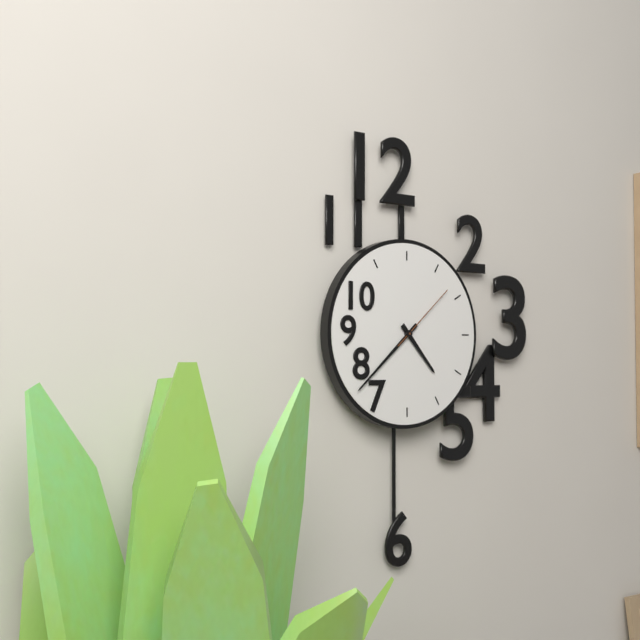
4:38:08
